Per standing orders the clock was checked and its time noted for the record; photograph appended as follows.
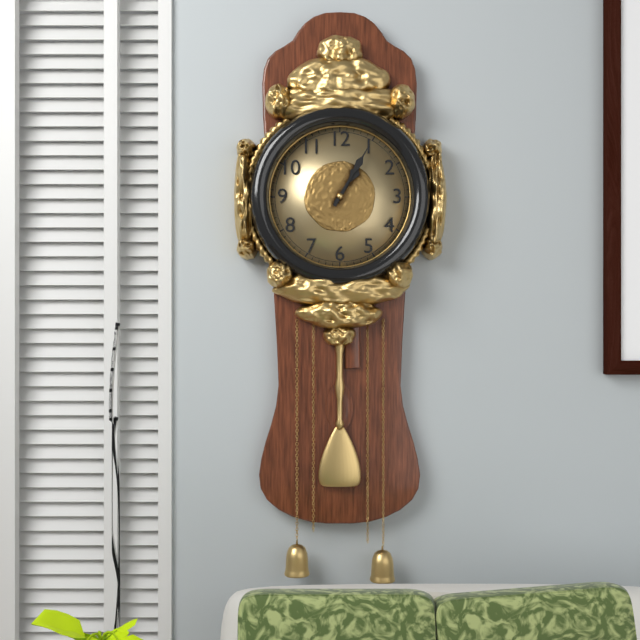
1:05
